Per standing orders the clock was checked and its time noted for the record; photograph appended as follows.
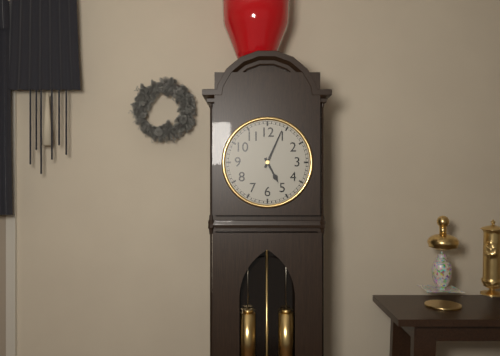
5:04
